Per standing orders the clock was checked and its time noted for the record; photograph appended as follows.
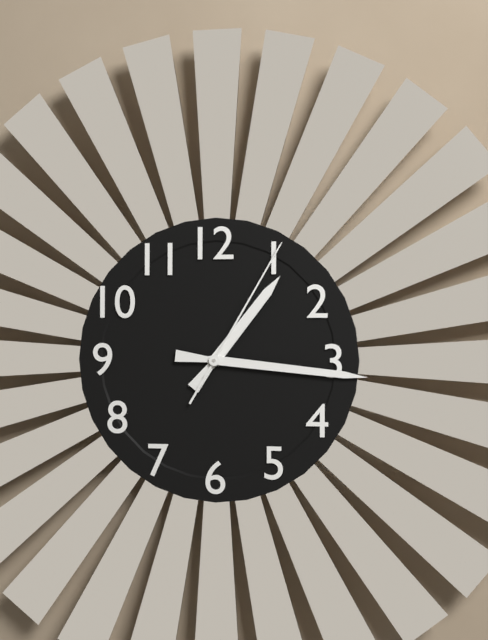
1:16:05
